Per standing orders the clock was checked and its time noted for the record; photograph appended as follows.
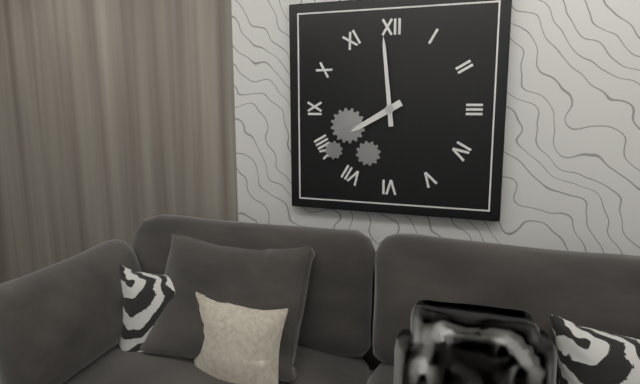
7:59
